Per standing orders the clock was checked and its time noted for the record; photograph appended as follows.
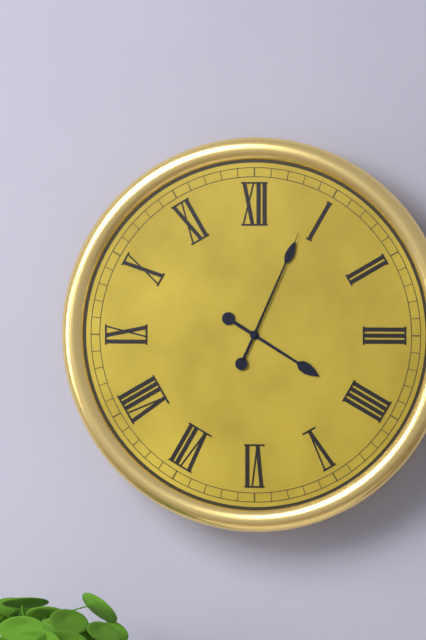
4:04:04
